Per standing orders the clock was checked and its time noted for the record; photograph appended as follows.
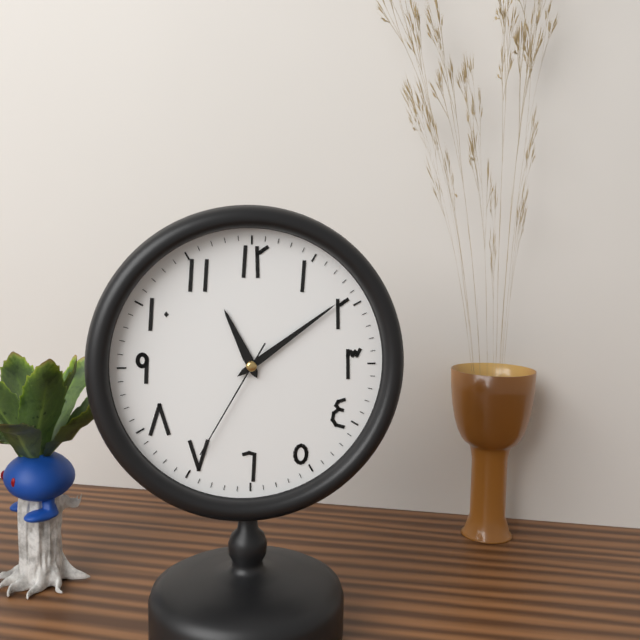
11:09:35
